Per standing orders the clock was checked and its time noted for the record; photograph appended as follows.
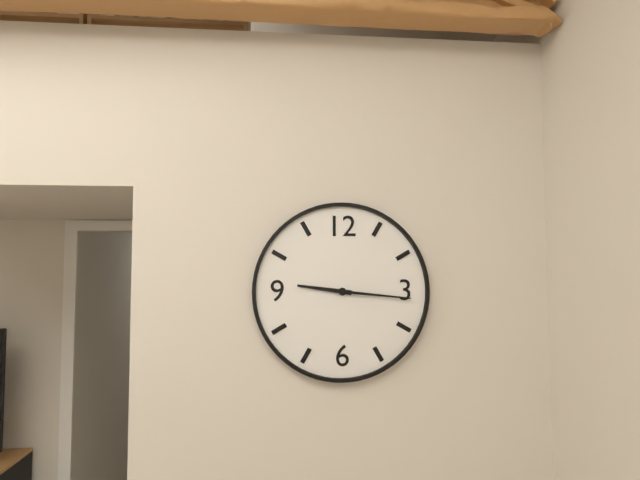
9:16
